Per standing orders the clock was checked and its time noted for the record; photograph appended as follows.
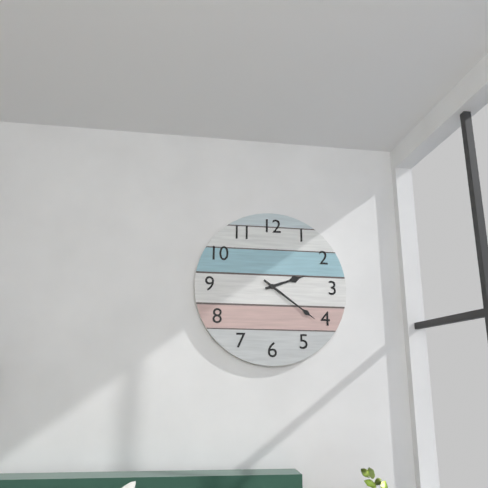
2:21
